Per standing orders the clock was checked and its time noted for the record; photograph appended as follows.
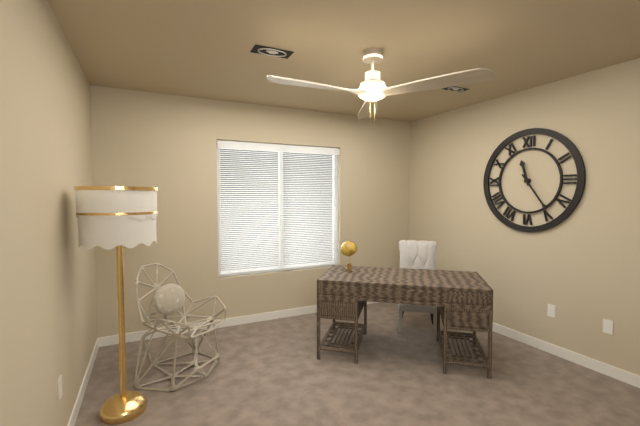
11:24
